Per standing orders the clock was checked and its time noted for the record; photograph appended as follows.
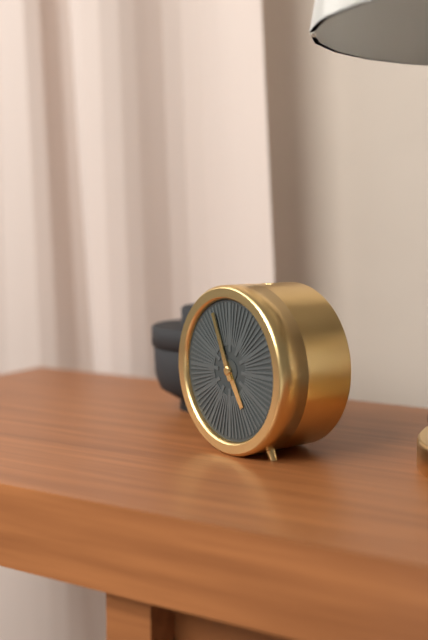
4:56
